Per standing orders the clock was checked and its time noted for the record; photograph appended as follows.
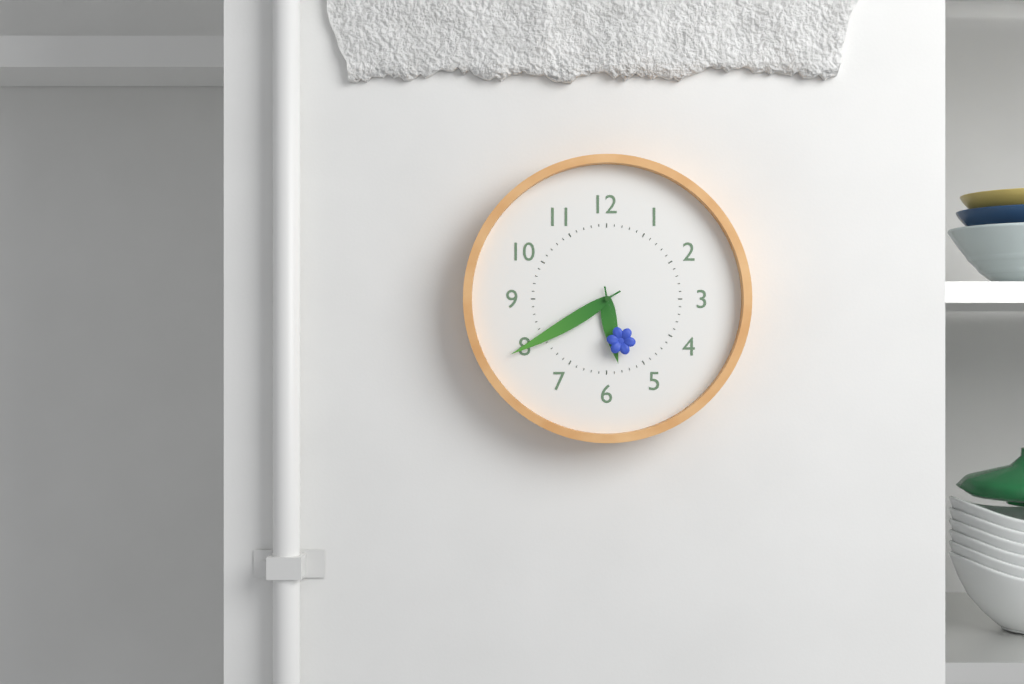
5:40:27
